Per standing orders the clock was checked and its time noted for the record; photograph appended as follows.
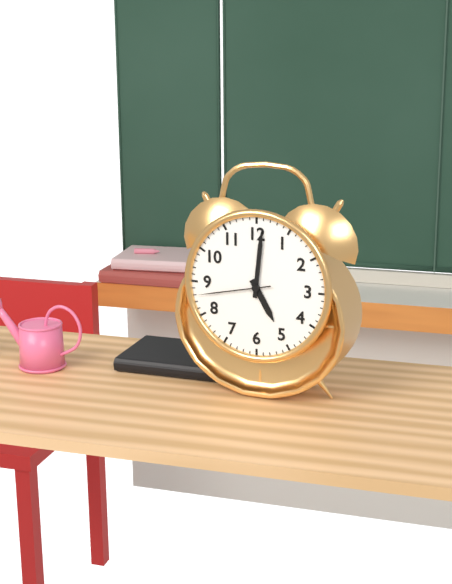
5:01:43
